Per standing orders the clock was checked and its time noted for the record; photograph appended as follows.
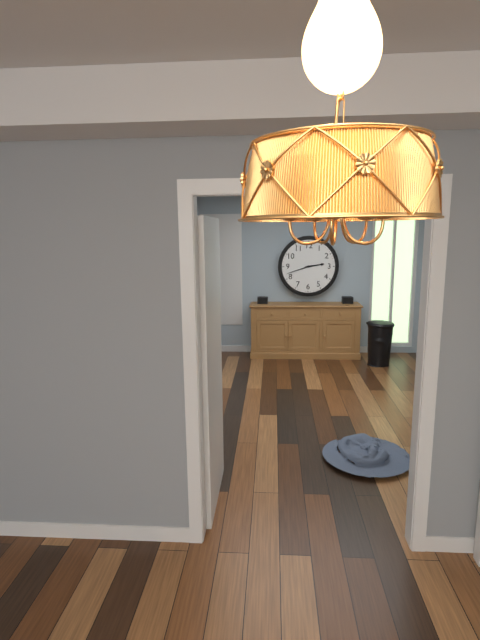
2:42
